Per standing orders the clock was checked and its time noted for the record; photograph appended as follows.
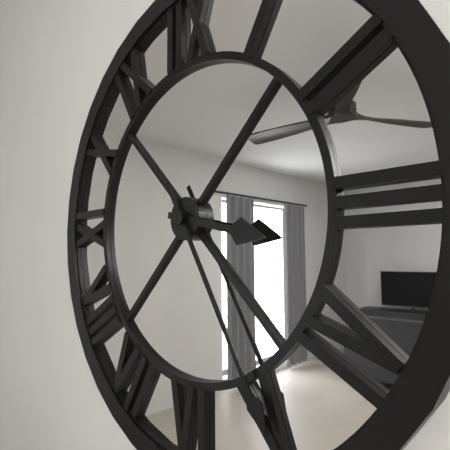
3:25
